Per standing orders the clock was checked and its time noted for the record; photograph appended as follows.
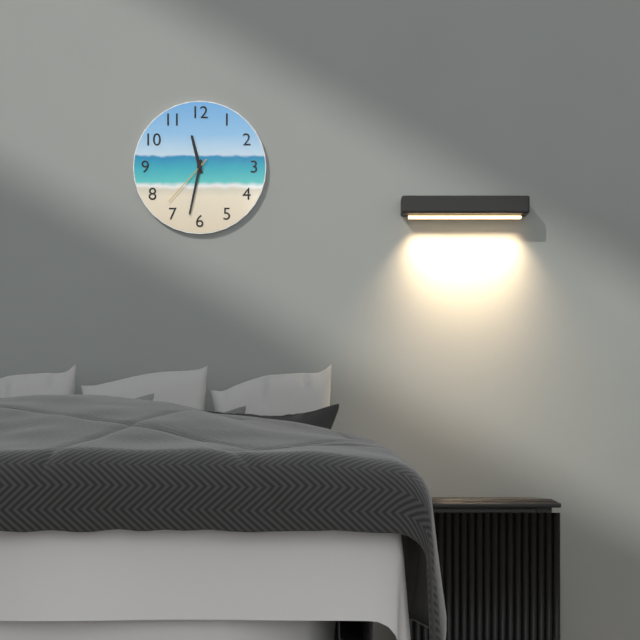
11:32:37
